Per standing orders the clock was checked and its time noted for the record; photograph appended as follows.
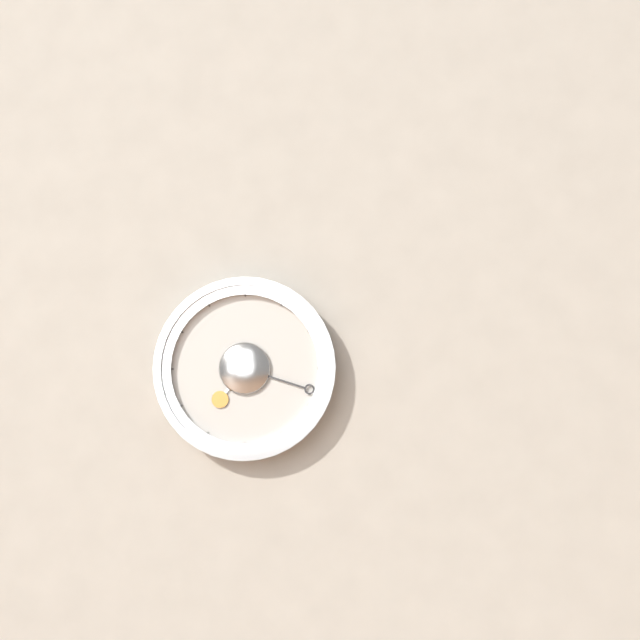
7:18
